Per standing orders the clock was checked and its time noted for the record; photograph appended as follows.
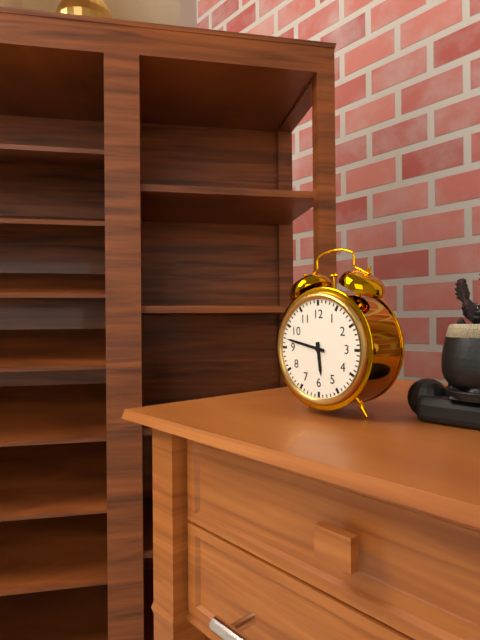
5:47
